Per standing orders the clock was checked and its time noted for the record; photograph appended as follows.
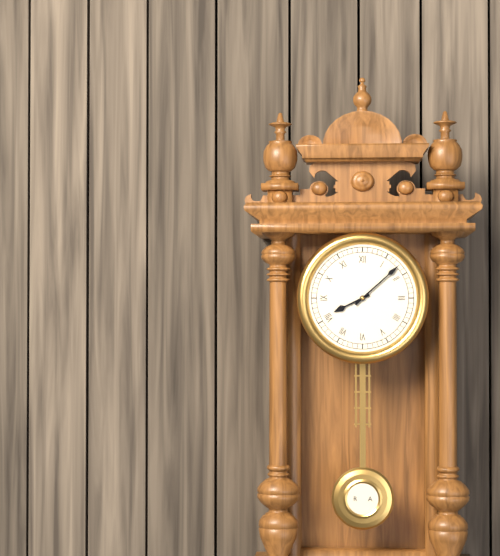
8:08
